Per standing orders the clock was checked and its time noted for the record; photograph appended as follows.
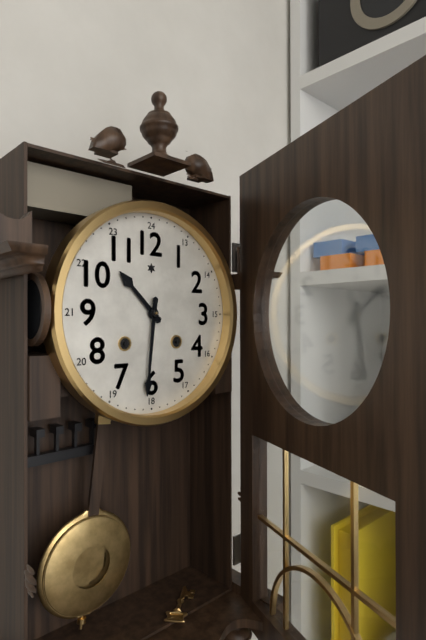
10:31
